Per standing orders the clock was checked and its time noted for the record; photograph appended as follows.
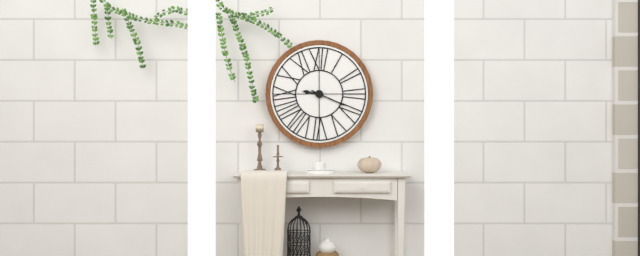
9:19
